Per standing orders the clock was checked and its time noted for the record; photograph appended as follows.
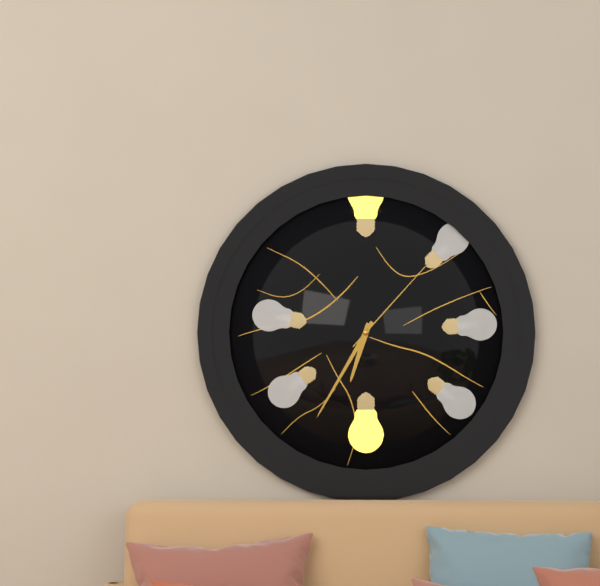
6:35:07
